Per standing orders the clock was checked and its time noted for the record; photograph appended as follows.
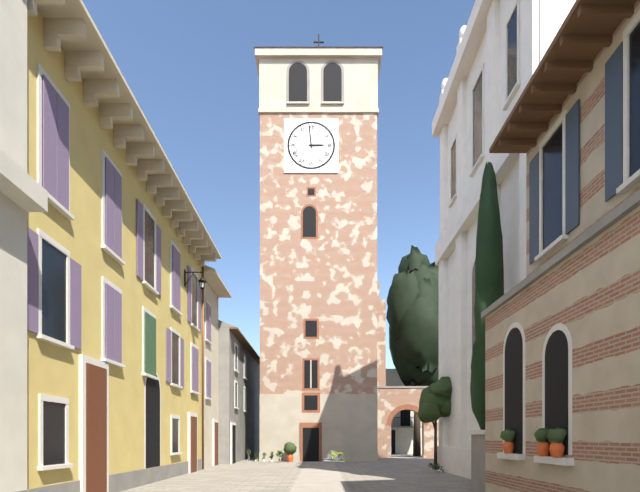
2:59
